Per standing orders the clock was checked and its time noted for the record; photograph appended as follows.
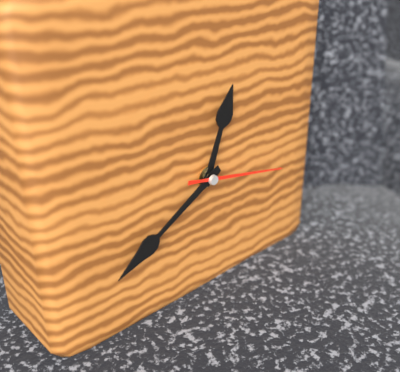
12:40:17
